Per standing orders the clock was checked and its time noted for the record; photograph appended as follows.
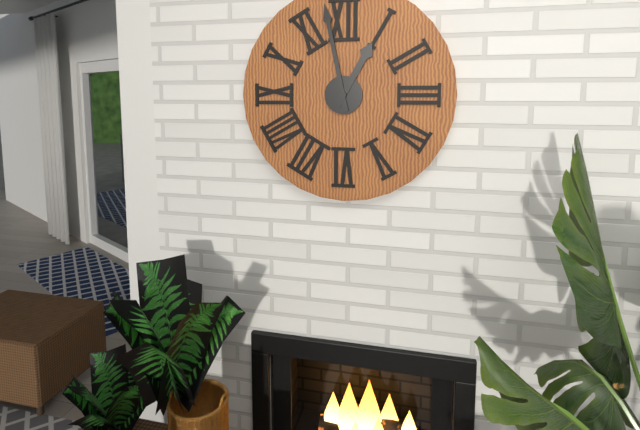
12:58
